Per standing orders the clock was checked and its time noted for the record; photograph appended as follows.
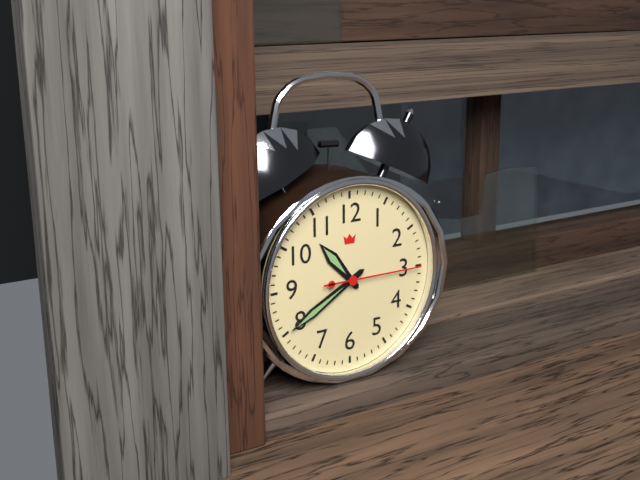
10:40:15
